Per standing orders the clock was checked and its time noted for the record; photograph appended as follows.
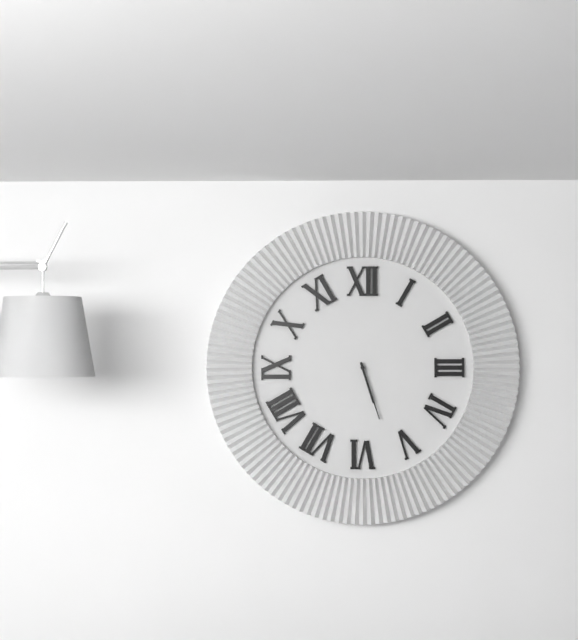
5:27
